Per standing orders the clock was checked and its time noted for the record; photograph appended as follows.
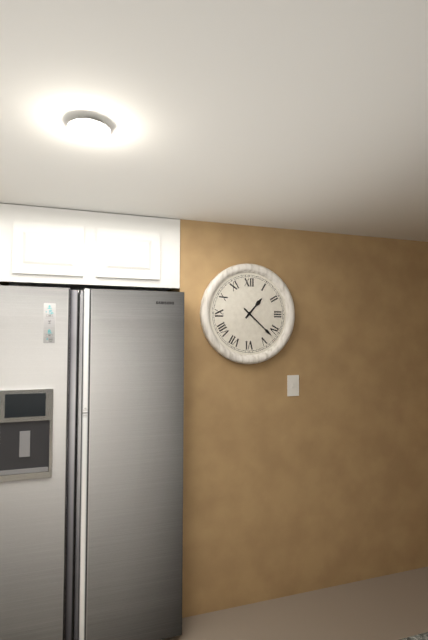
1:22
